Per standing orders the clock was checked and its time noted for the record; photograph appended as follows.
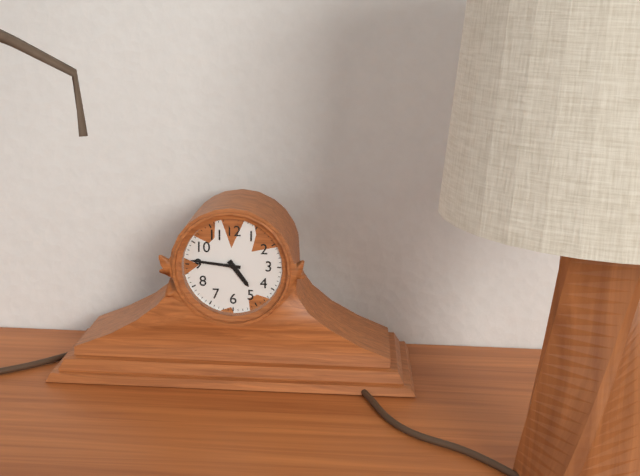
4:46
